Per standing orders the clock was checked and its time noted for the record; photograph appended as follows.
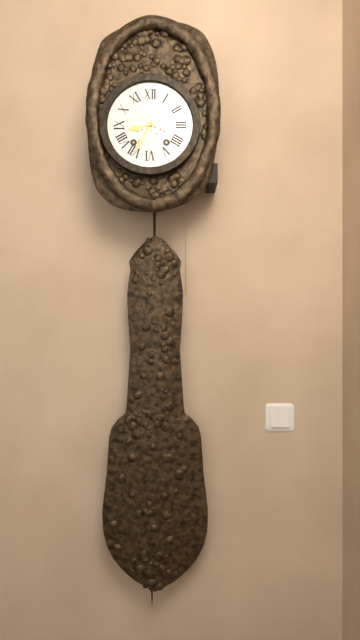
8:35
